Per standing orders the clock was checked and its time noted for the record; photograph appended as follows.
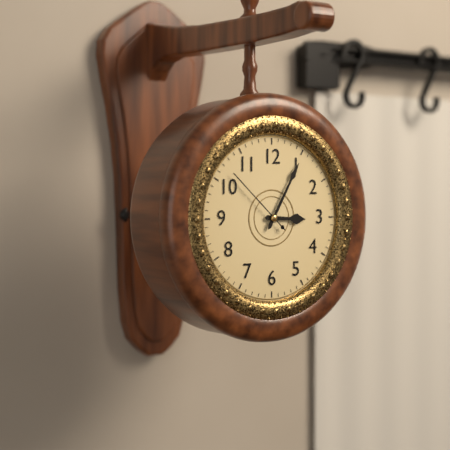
3:05:52
